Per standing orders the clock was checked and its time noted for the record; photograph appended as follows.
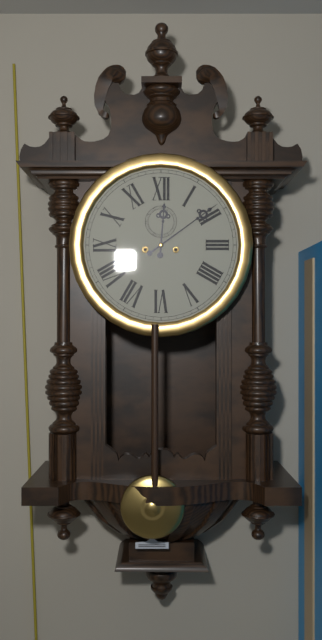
12:09
